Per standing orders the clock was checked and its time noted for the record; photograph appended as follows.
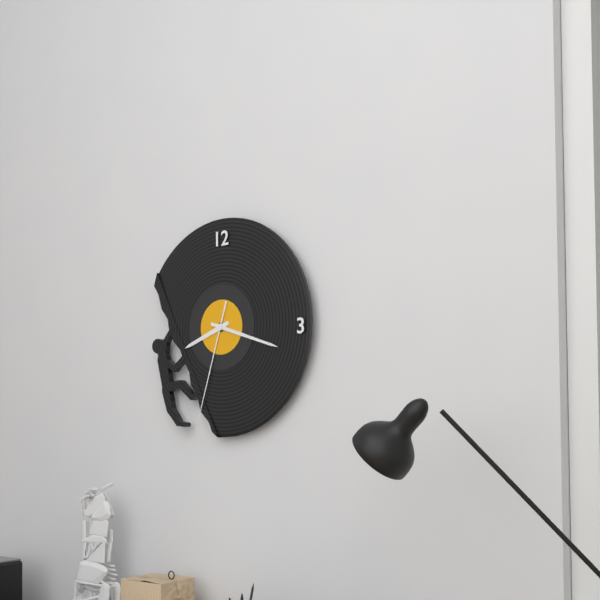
8:18:33
